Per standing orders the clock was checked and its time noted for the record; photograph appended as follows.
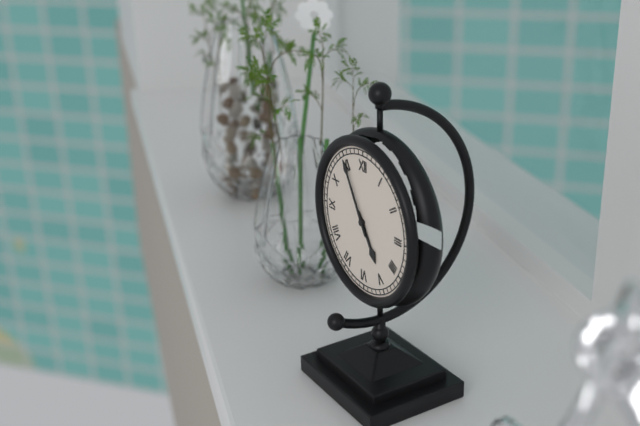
4:55
